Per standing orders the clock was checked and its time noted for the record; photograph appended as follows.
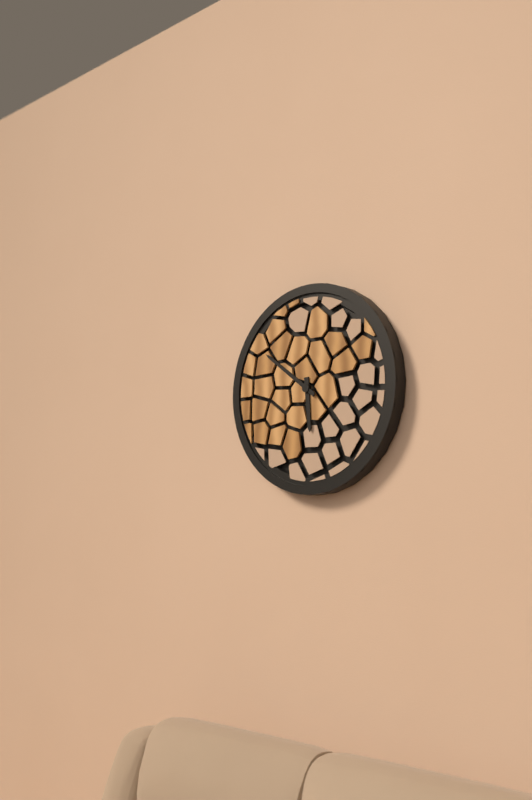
5:51
